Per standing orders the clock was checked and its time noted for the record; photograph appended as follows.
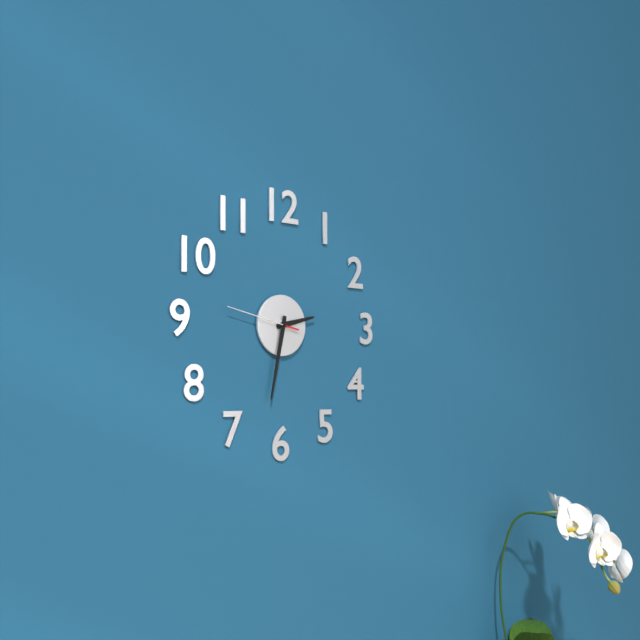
2:32:47
